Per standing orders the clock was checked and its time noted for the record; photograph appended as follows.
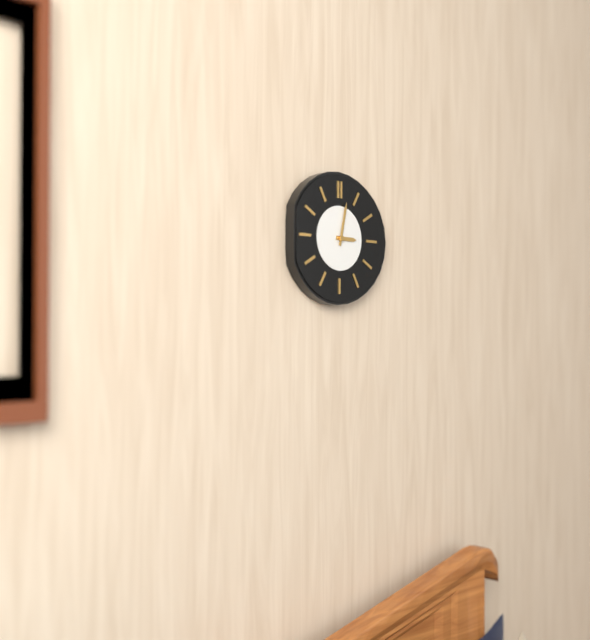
3:02
